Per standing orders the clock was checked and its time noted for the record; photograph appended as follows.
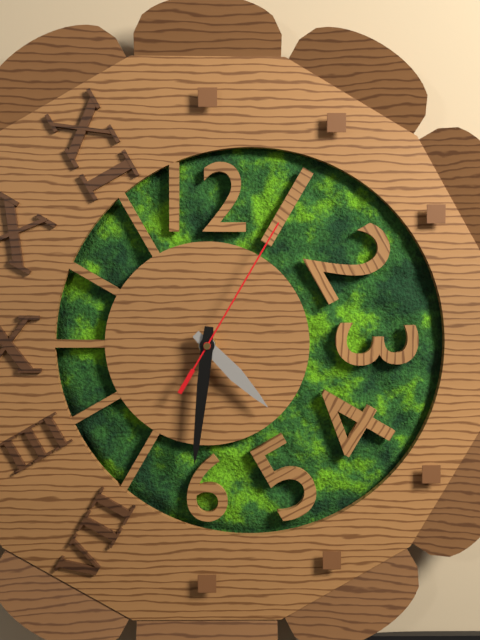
4:31:05
